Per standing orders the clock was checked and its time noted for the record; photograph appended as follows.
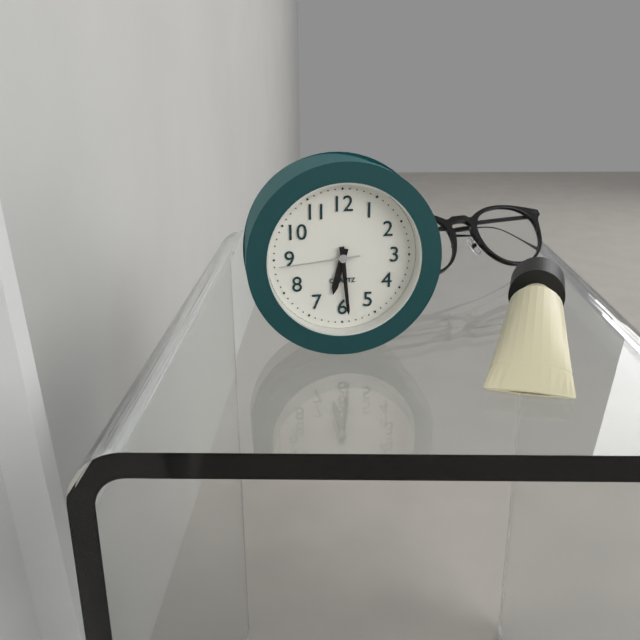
6:29:44
